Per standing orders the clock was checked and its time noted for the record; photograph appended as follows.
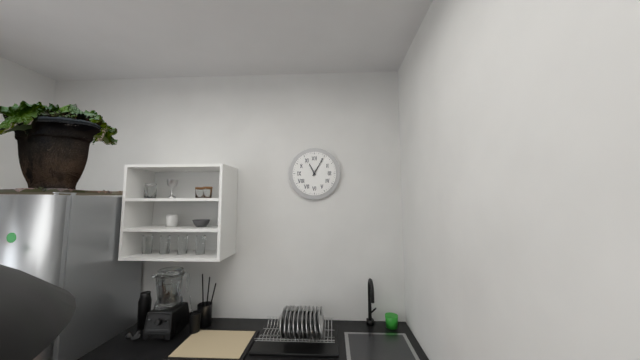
11:05
